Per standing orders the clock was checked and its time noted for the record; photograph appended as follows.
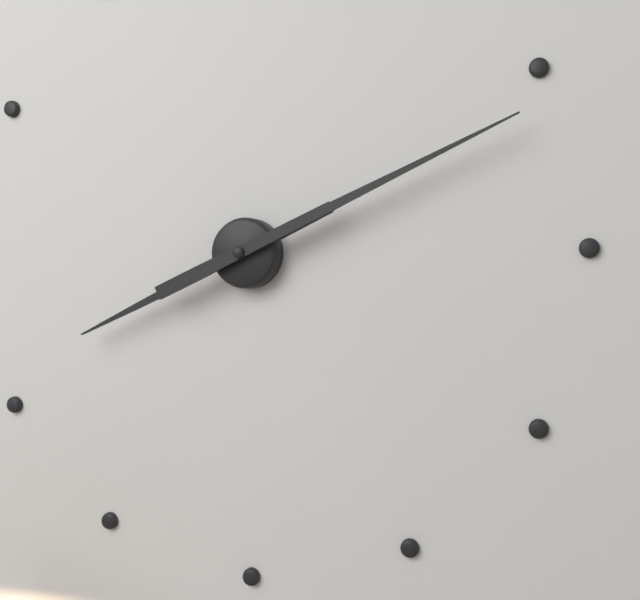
8:11
